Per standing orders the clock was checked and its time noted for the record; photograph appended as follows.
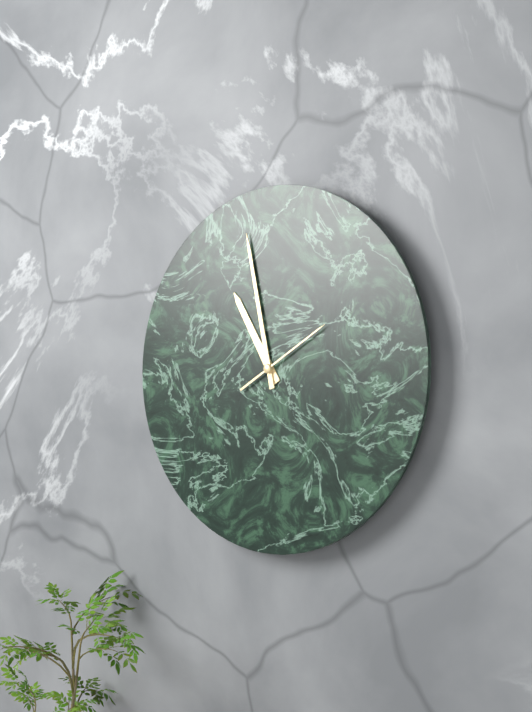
10:58:10
